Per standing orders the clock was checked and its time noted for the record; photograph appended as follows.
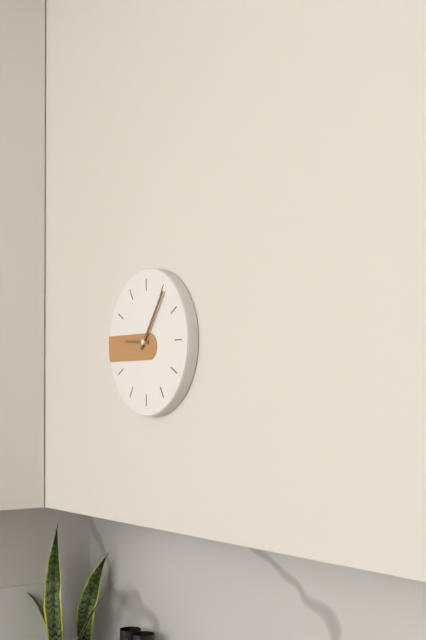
9:06
